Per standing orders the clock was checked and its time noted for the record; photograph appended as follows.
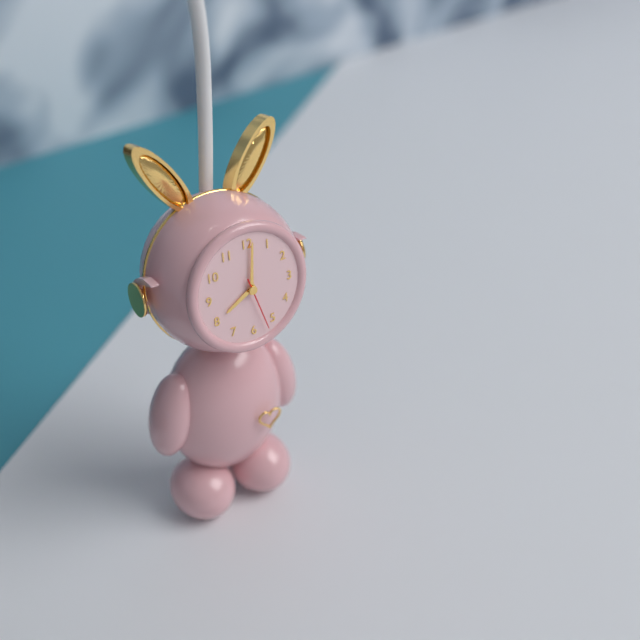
8:01:27
